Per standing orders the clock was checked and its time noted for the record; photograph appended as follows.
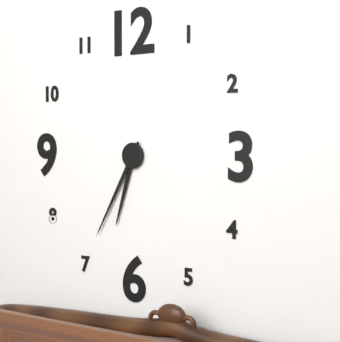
6:35
